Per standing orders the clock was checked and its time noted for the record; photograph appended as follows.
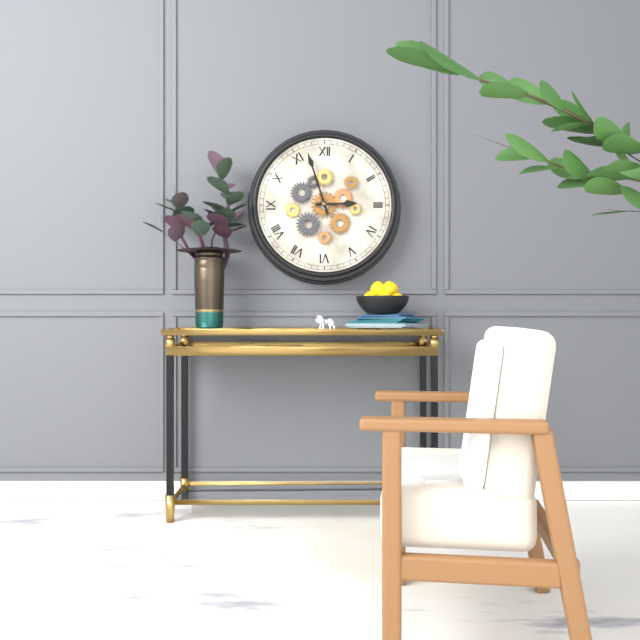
2:57
